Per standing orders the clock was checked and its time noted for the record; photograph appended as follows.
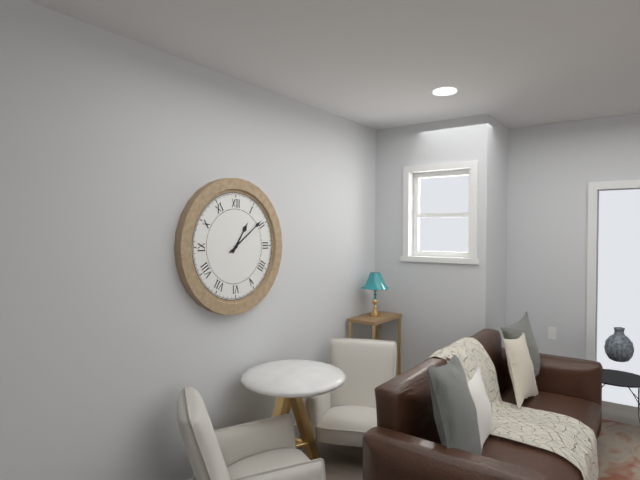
1:09
